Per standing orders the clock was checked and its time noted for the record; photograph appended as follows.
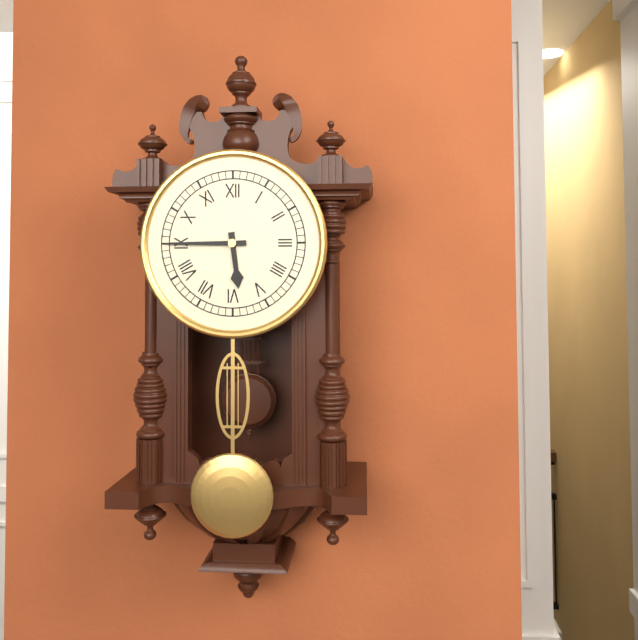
5:45
